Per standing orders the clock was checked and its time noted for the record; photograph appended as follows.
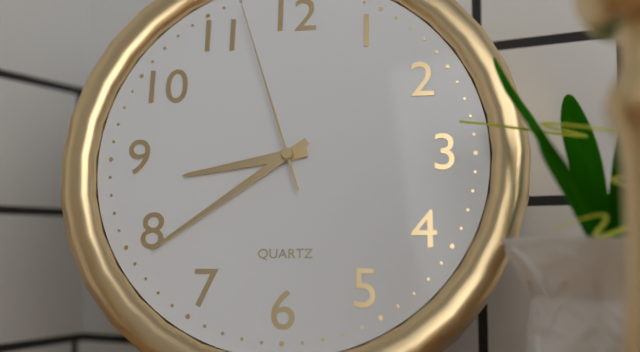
8:39:57
